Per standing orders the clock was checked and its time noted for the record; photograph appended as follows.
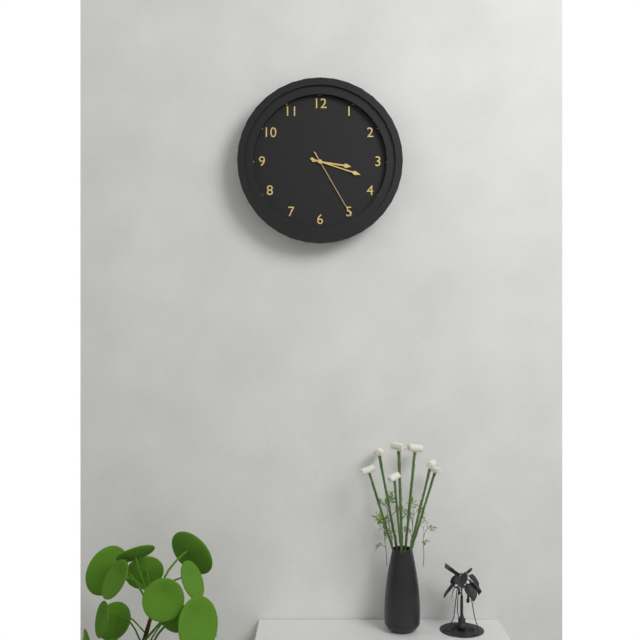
3:18:25
